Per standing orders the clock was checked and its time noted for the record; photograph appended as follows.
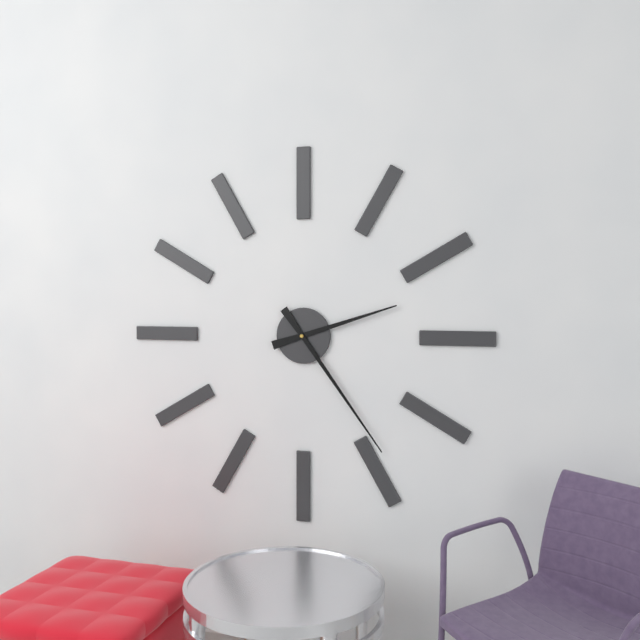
2:24
